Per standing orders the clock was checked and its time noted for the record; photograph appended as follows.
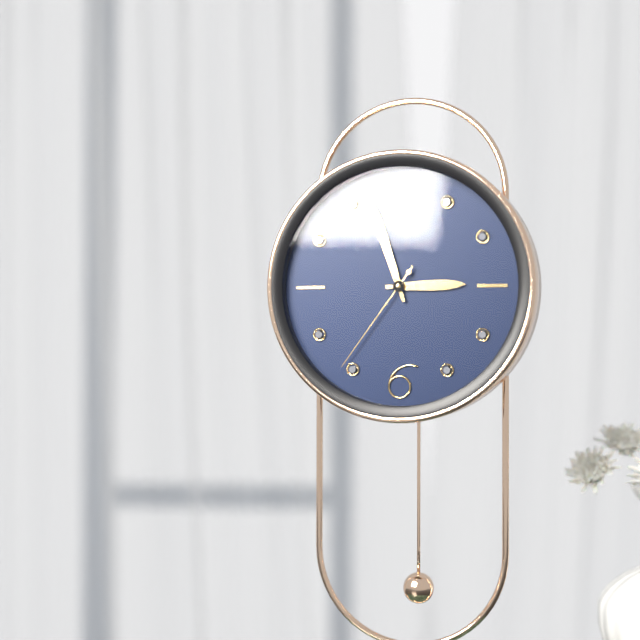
2:57:36
